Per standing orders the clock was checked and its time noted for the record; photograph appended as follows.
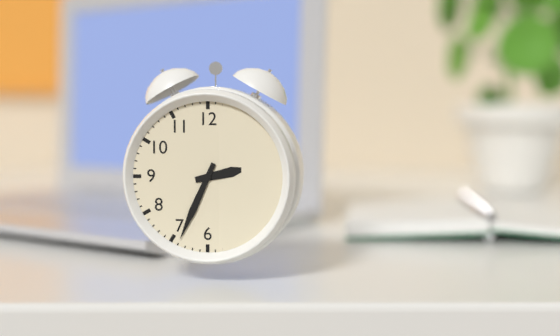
2:34
